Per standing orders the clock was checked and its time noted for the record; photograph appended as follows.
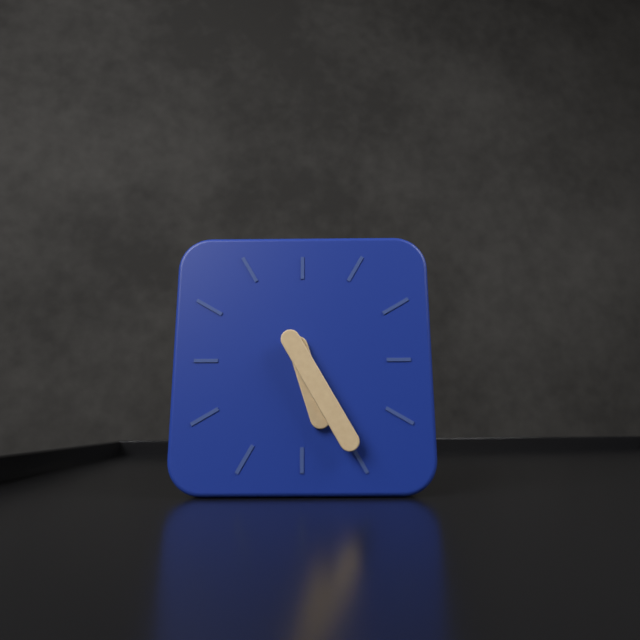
5:25
